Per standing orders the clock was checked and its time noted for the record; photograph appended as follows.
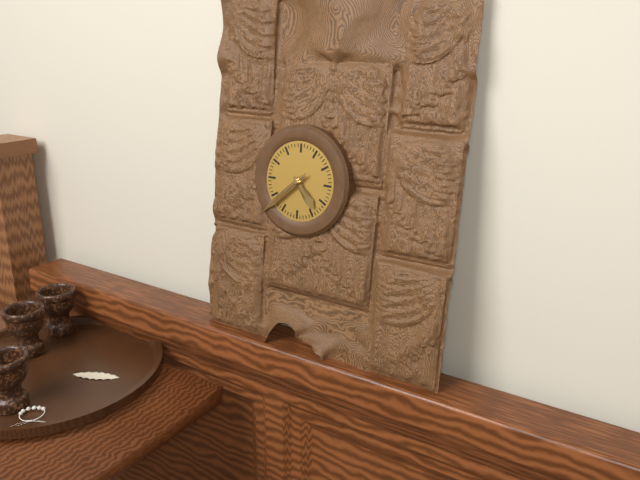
4:38:38
